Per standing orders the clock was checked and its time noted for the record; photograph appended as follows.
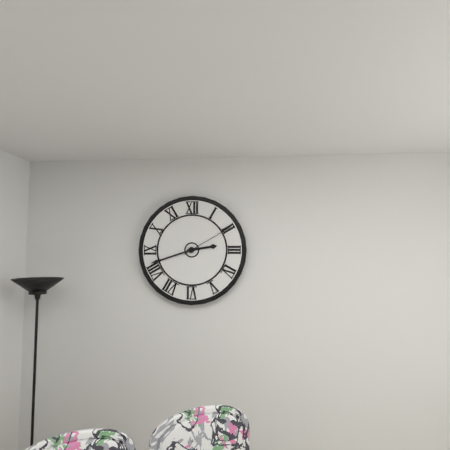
2:42:10
